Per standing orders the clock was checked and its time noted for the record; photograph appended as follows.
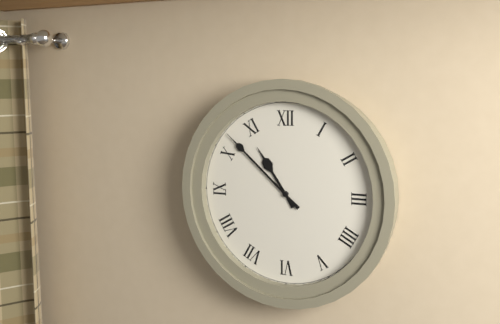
10:52
